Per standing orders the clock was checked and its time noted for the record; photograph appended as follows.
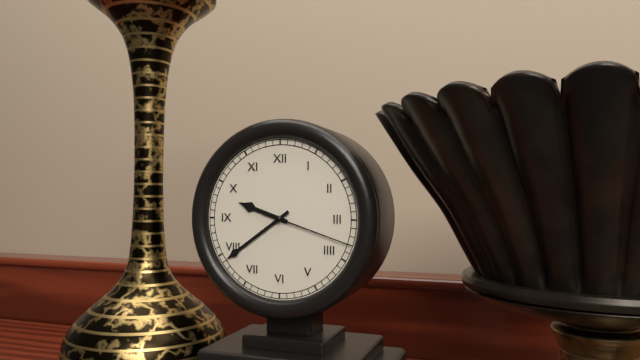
9:39:18
